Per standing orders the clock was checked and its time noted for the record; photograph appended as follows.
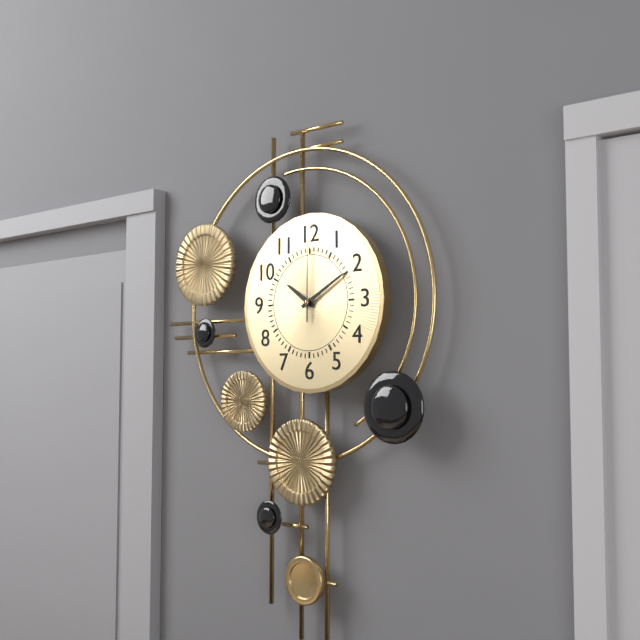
10:10:00
